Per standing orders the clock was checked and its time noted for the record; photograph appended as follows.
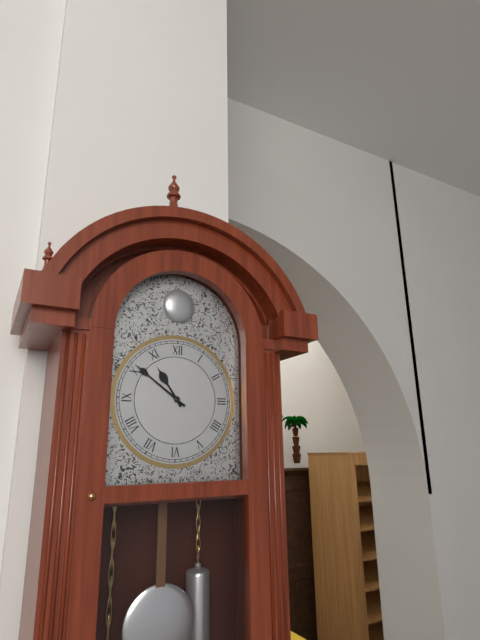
10:51
